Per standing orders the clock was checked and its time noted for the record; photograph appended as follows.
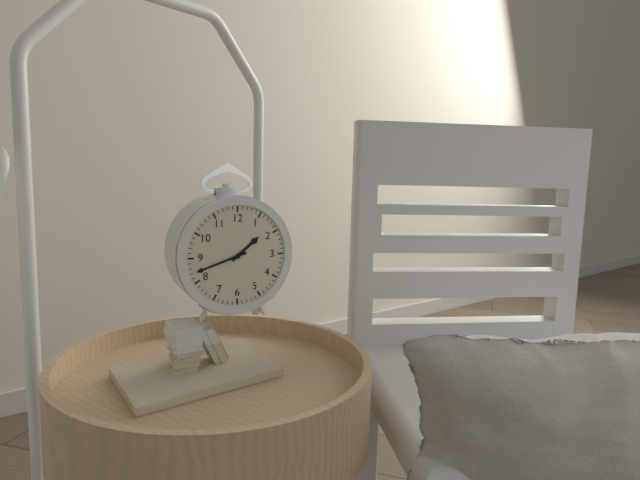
1:42
